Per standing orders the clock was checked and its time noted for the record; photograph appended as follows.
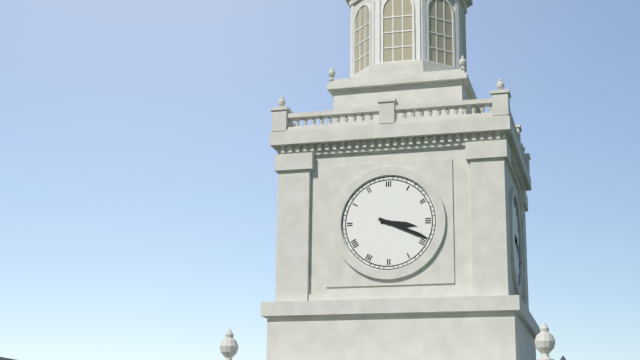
3:19
